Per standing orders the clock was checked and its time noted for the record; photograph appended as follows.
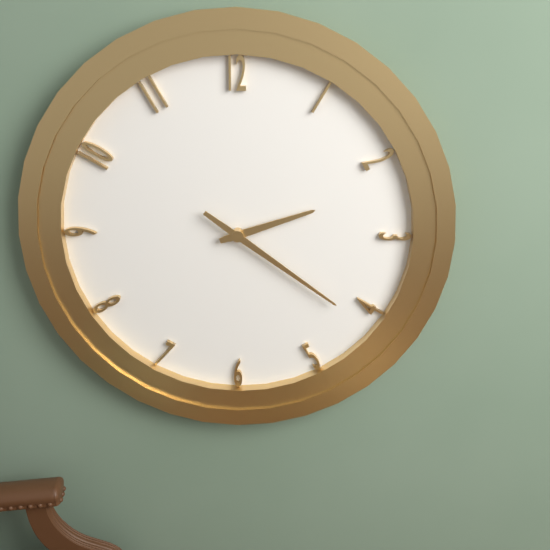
2:21
